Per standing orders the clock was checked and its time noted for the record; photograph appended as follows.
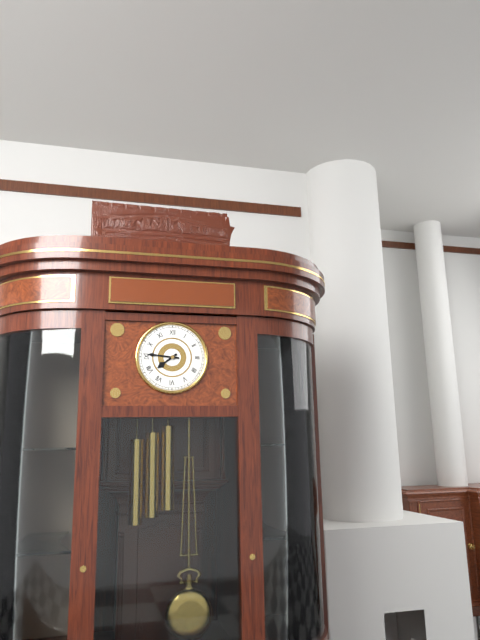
7:46
